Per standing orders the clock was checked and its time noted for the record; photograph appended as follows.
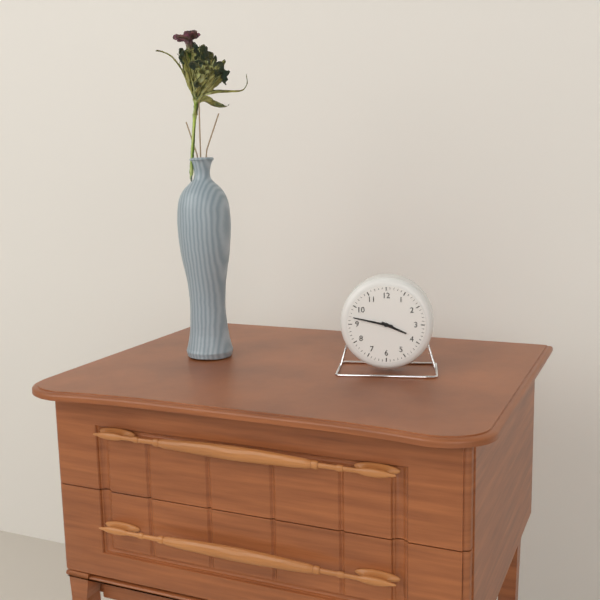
3:47
